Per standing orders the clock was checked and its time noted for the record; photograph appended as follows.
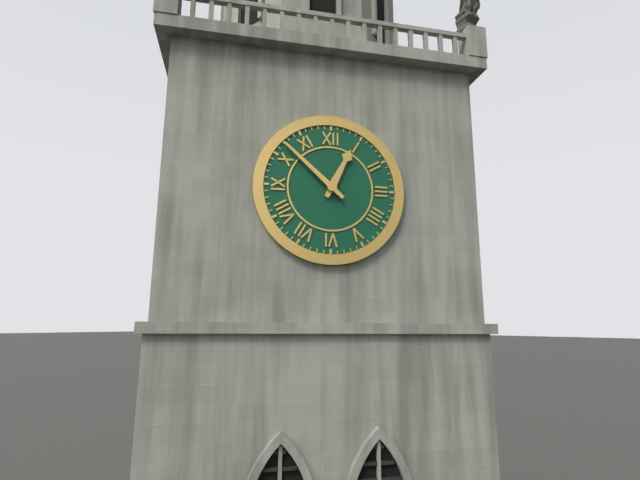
12:52
